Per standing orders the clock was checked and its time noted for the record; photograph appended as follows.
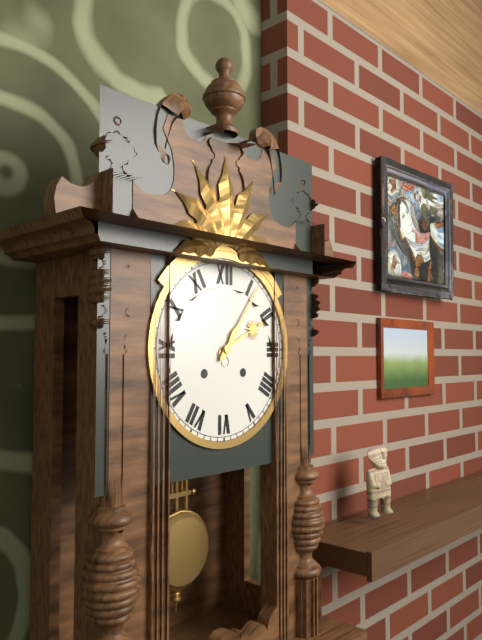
2:06
